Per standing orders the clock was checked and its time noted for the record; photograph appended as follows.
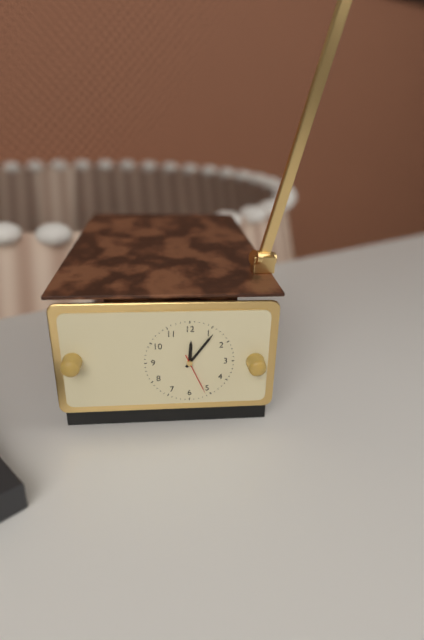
12:06
